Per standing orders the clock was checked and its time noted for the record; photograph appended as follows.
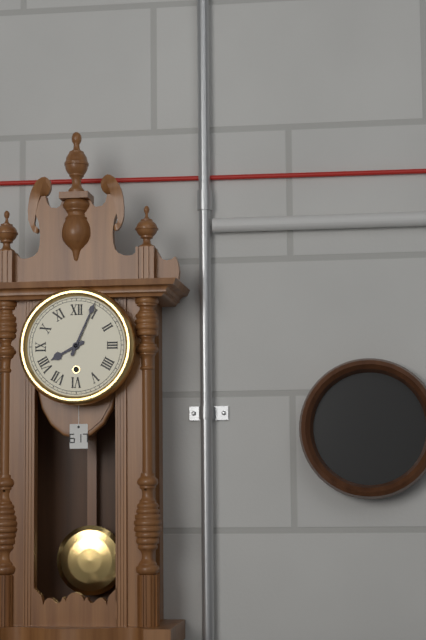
8:04
